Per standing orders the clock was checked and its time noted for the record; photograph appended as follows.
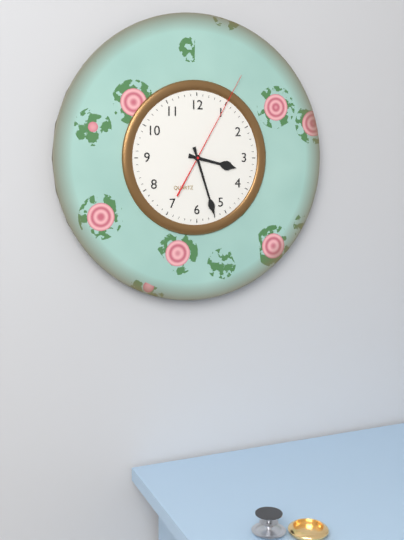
3:27:05
